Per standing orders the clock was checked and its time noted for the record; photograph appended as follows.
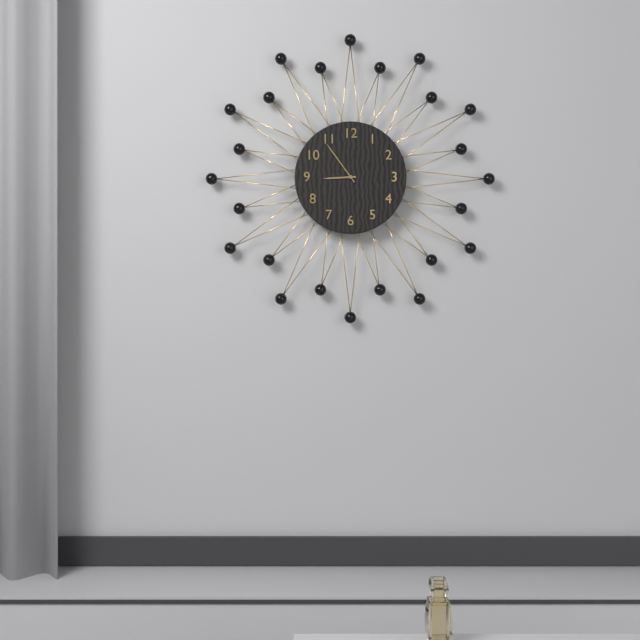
8:54
